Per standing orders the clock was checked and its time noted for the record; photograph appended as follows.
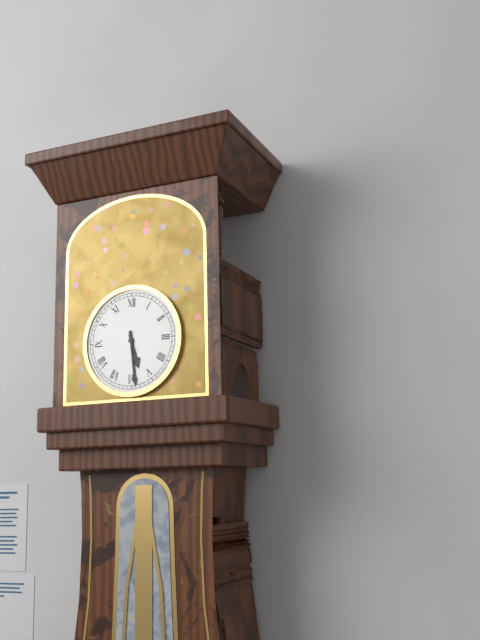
5:29
